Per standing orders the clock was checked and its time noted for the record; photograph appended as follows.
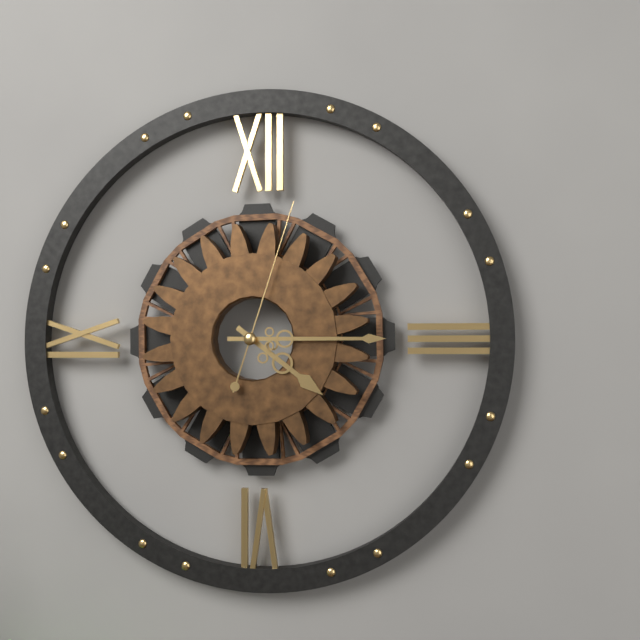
4:15:03
